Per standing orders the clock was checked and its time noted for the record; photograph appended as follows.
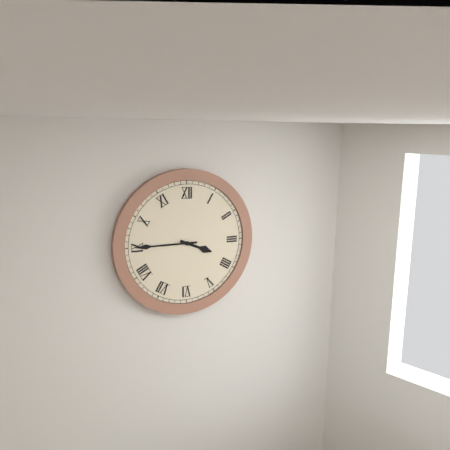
3:45
